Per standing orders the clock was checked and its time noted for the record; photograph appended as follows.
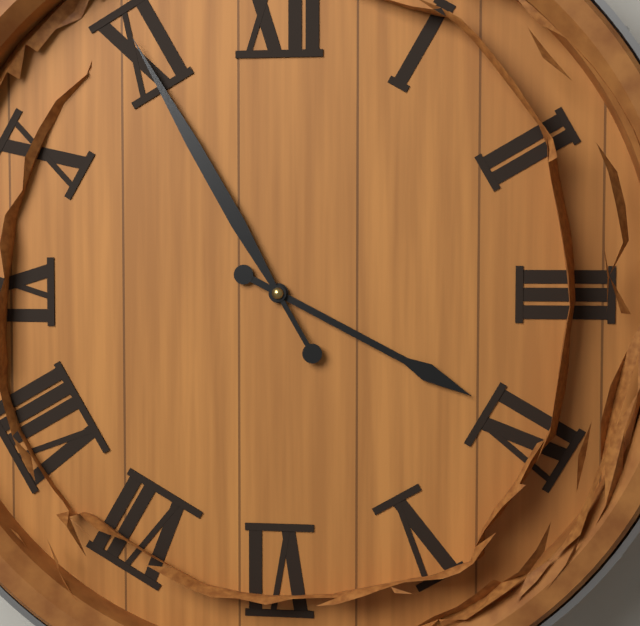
3:55
